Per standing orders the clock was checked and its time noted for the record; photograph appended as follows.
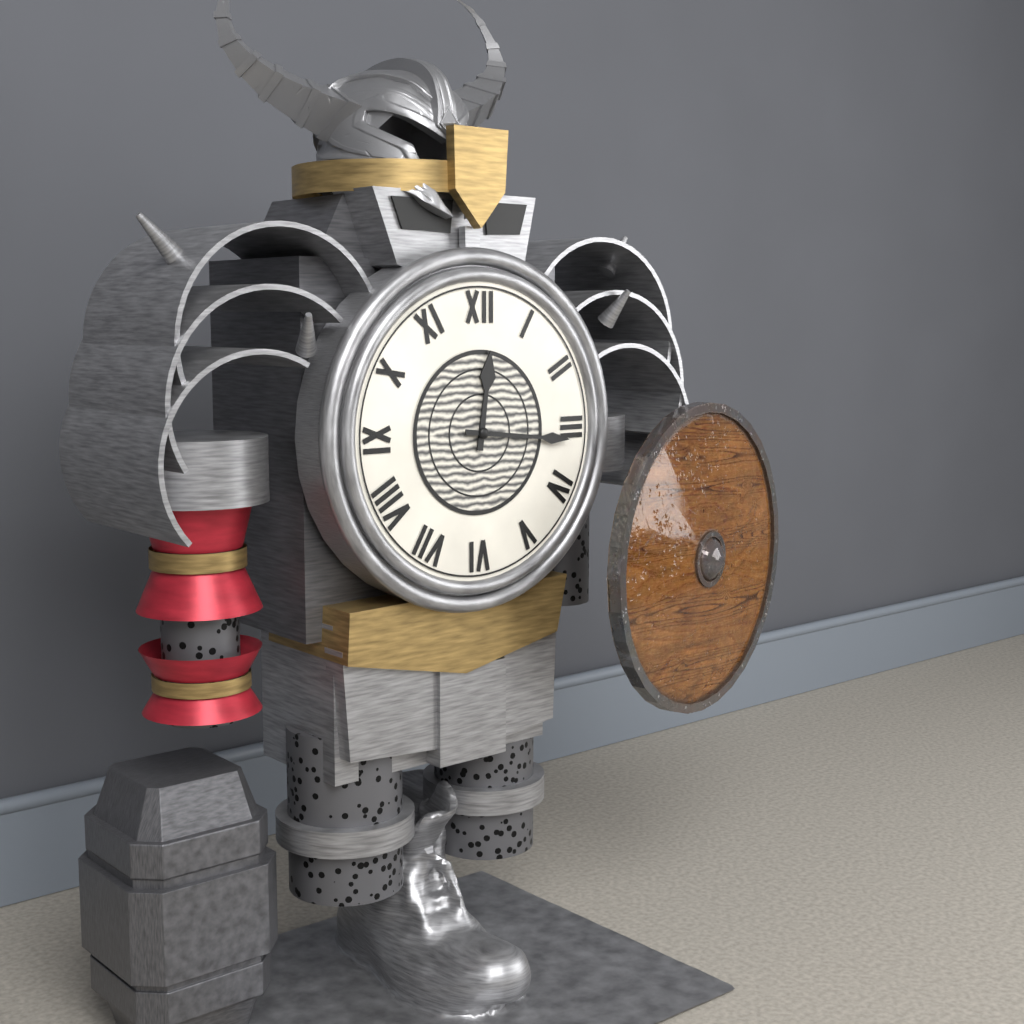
12:16
